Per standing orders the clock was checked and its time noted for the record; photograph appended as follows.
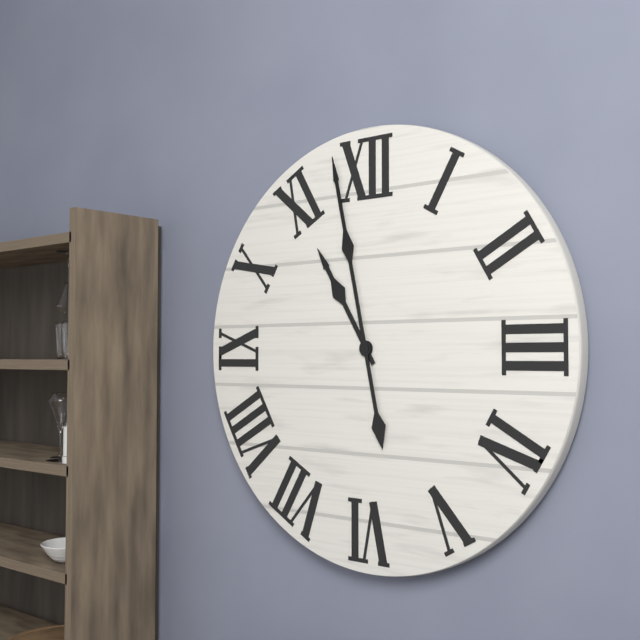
10:58
